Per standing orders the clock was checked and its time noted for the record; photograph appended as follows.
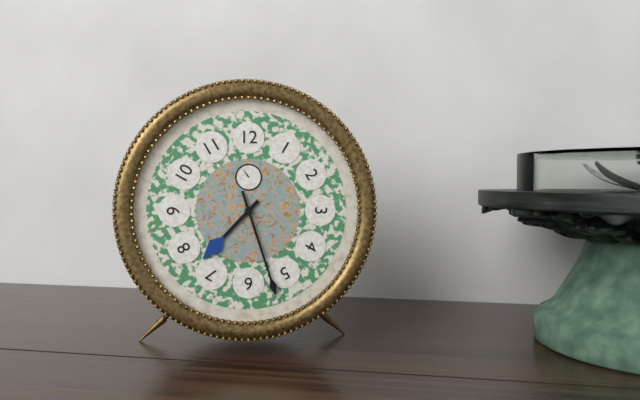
7:27
